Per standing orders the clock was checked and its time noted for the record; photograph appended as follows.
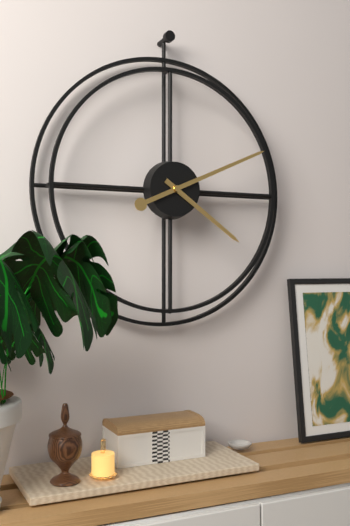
4:11
